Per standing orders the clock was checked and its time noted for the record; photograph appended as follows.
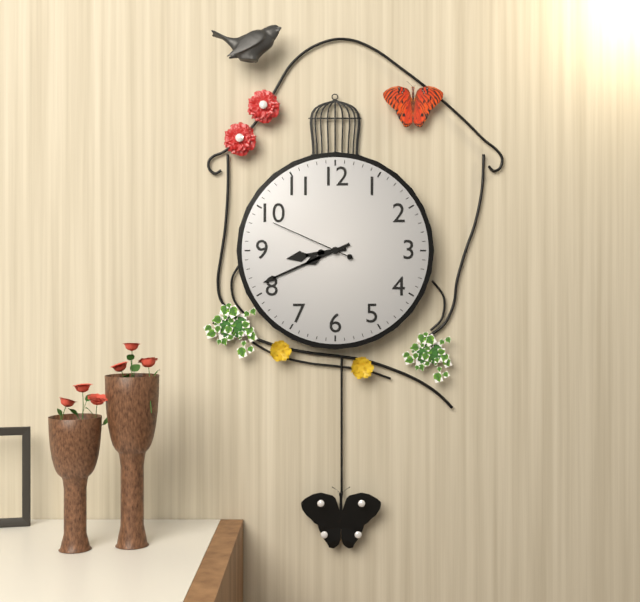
8:41:49
